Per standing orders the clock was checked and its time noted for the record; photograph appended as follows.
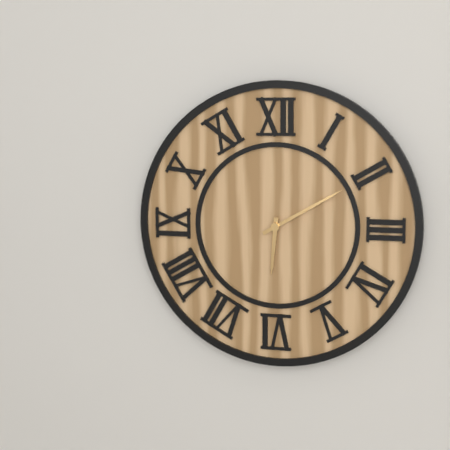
6:10
